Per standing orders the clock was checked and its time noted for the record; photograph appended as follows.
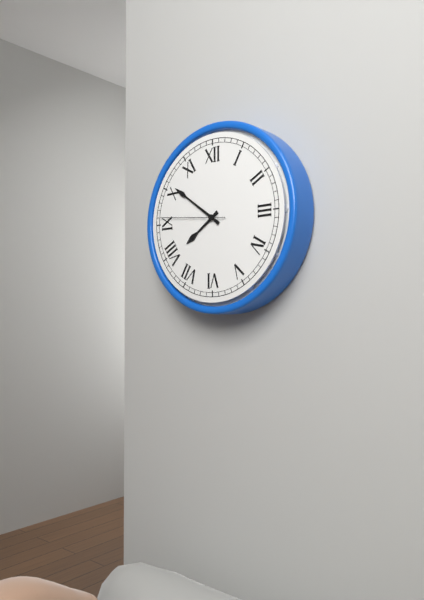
7:51:46
